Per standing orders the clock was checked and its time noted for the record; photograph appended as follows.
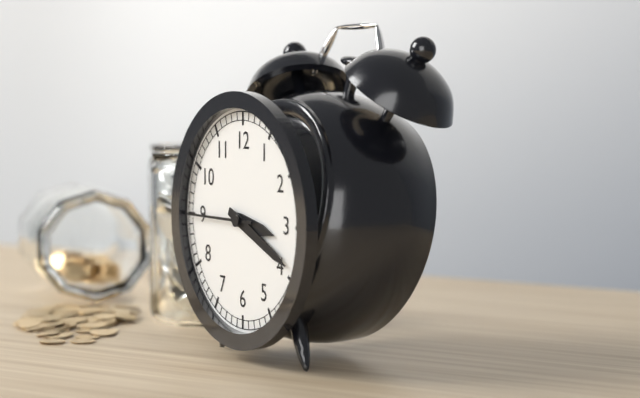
3:19:45
